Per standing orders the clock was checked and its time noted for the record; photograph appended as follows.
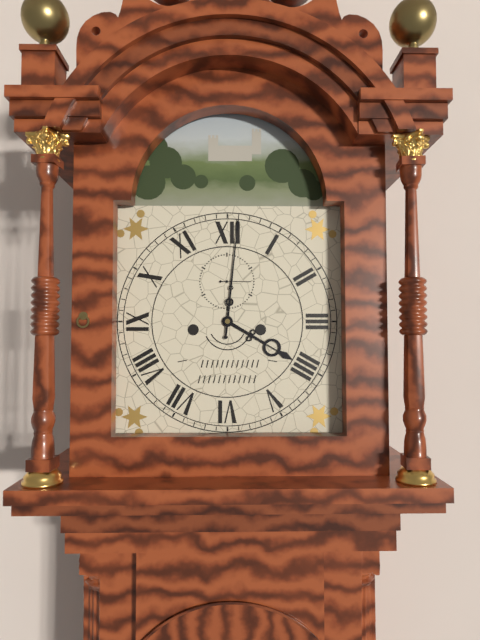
4:01
